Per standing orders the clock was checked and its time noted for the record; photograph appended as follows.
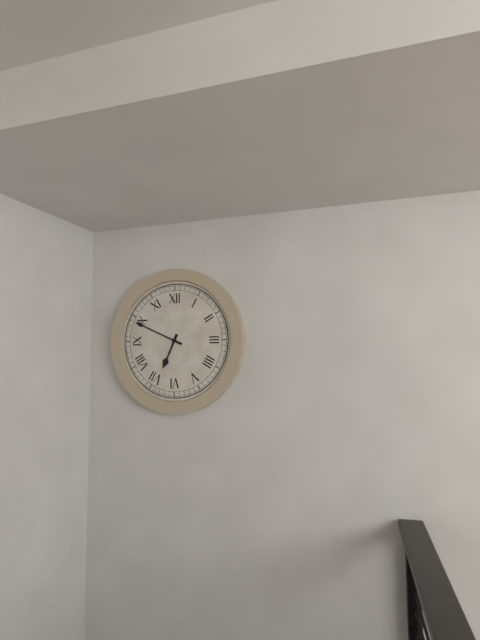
6:49
